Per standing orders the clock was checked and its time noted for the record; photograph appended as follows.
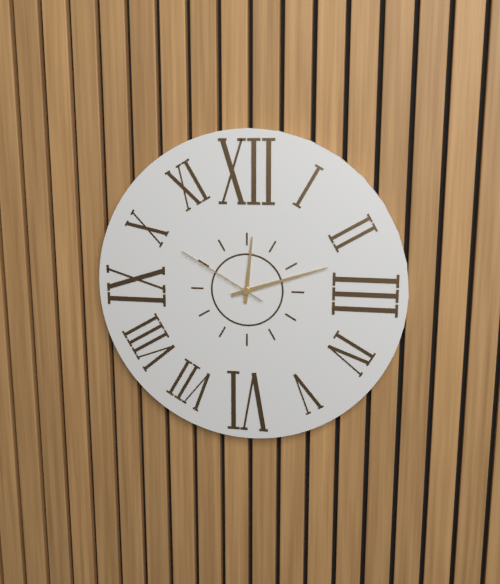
12:12:50
